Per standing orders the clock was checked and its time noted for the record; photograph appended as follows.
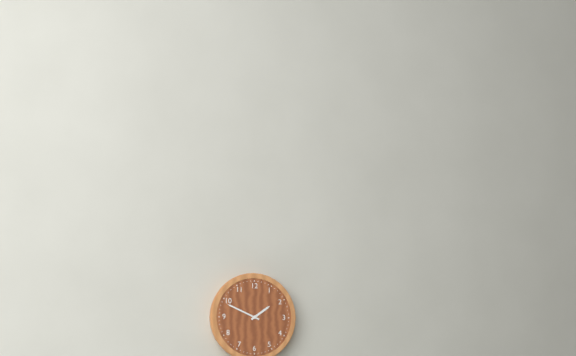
1:49
